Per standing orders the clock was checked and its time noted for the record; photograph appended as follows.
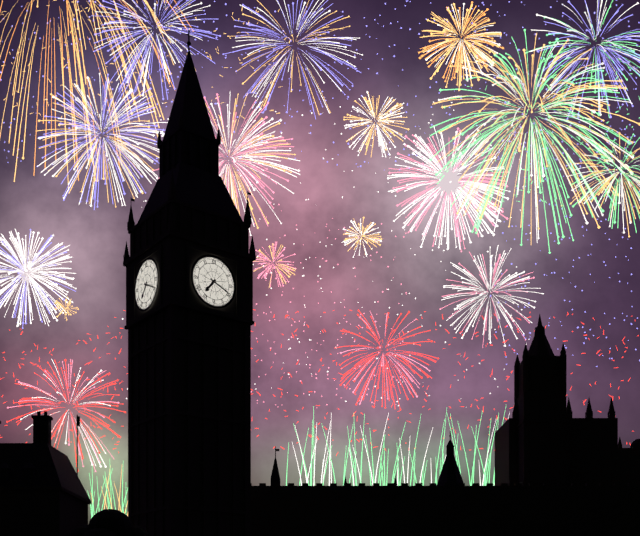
7:19
